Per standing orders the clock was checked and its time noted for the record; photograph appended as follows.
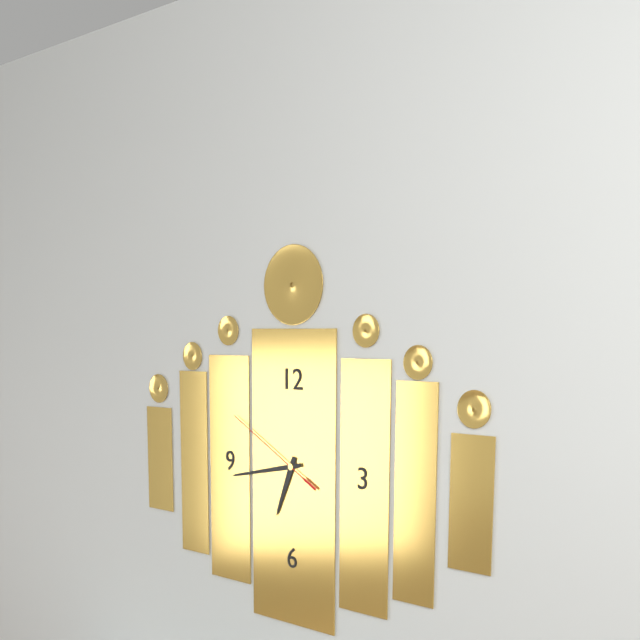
6:43:50
